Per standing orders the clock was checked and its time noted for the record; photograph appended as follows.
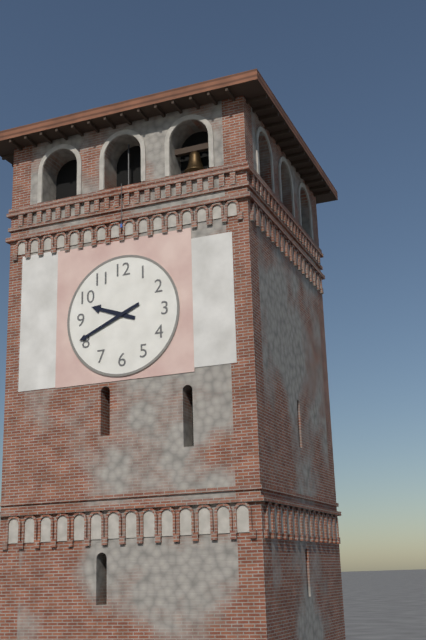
9:41
